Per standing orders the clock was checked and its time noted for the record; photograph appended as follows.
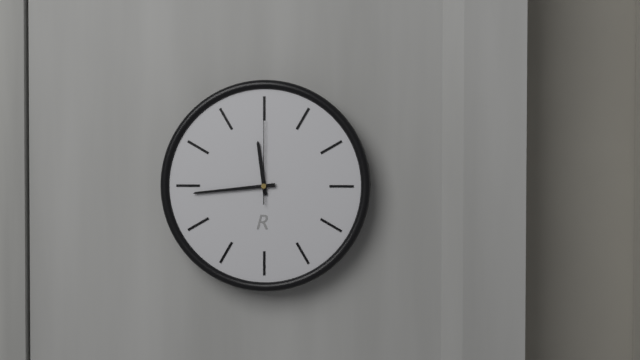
11:44:00
